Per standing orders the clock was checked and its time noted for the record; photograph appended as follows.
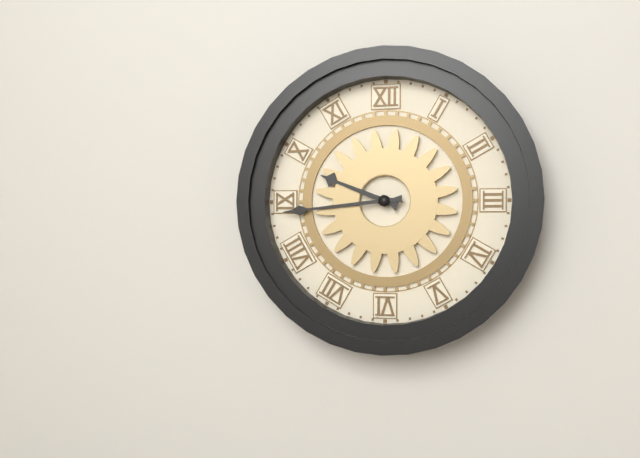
9:44
